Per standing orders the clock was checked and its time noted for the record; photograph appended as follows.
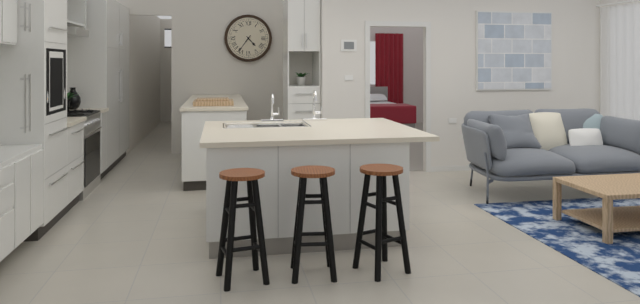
4:36
